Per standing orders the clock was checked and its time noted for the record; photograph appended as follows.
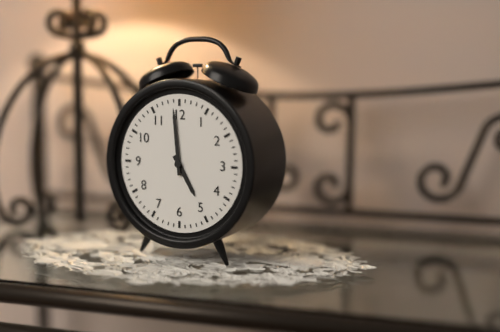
4:59
